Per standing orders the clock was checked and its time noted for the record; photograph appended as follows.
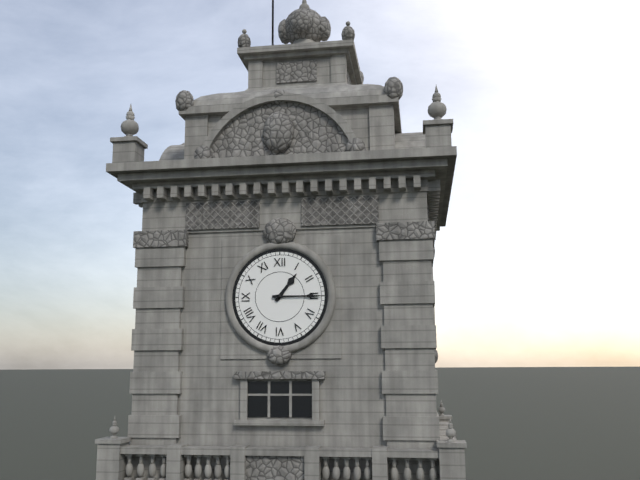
1:15
